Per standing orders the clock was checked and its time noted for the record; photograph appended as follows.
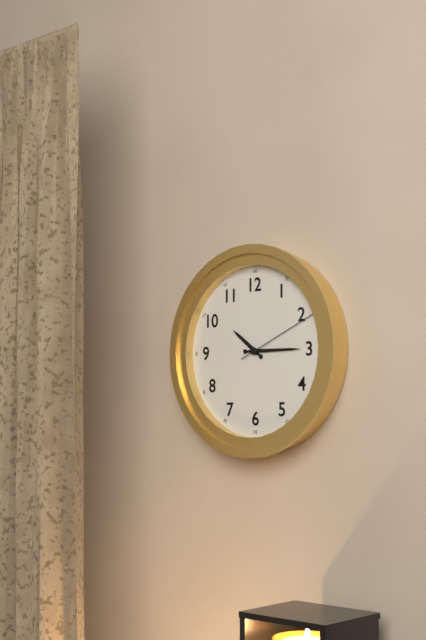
10:15:11
